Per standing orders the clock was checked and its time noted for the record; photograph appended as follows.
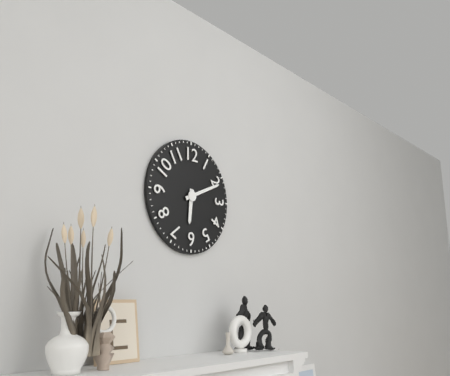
6:11
